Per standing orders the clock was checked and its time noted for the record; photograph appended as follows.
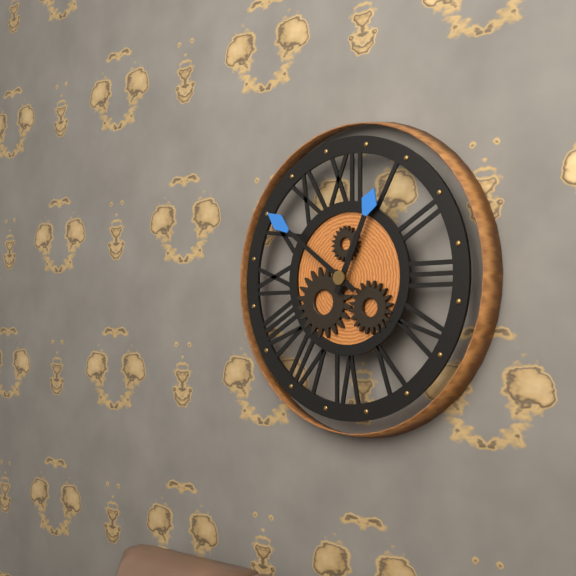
12:51
